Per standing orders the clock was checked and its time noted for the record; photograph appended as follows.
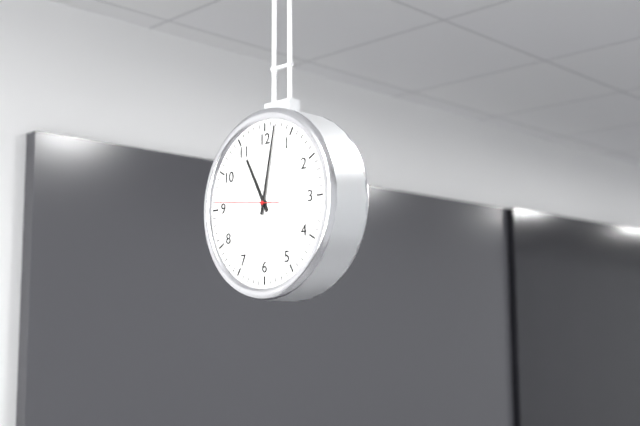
11:02:46
